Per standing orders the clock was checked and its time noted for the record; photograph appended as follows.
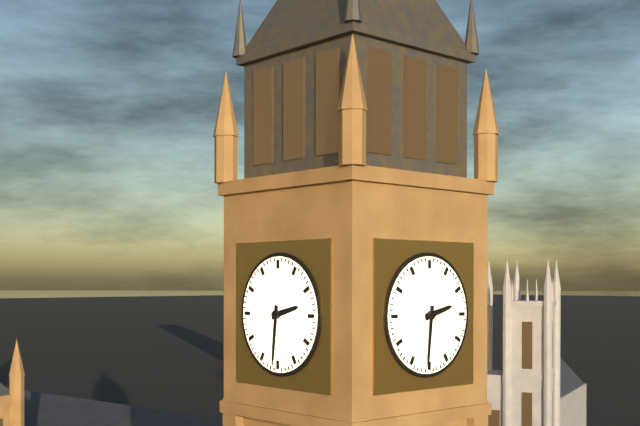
2:31
